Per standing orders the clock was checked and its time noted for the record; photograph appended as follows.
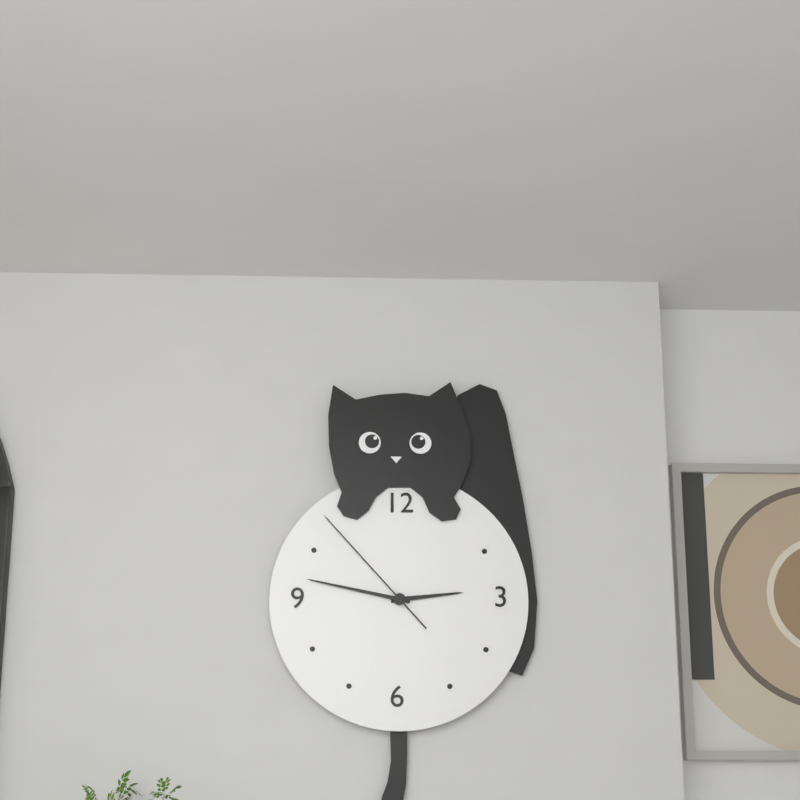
2:47:53
